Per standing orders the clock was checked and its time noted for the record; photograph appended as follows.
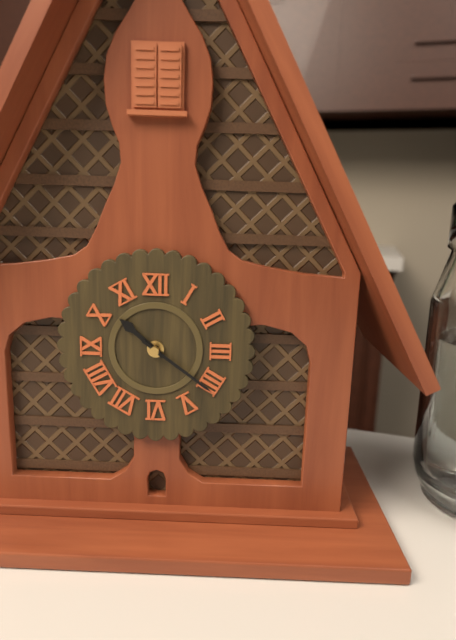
10:21
